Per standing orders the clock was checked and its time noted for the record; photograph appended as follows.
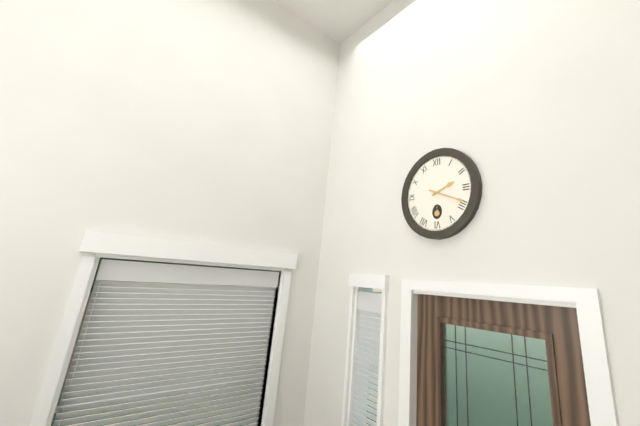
2:19
